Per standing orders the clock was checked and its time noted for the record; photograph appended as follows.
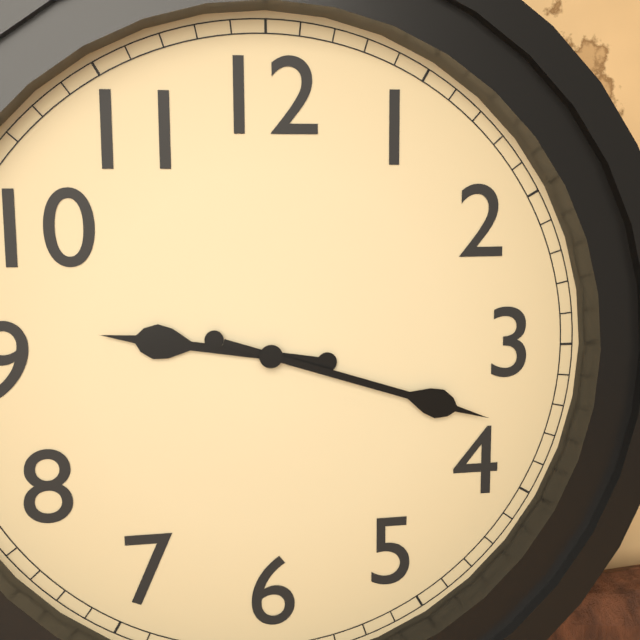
9:18
